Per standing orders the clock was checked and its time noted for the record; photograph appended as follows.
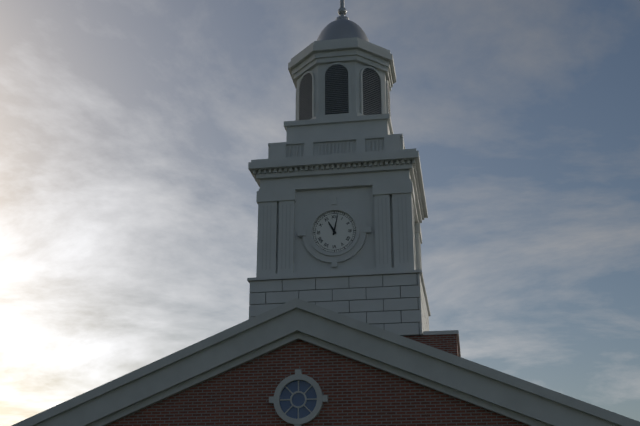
11:02
